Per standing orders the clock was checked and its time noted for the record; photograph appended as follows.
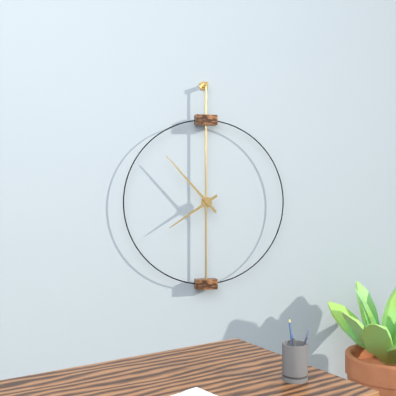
7:53
